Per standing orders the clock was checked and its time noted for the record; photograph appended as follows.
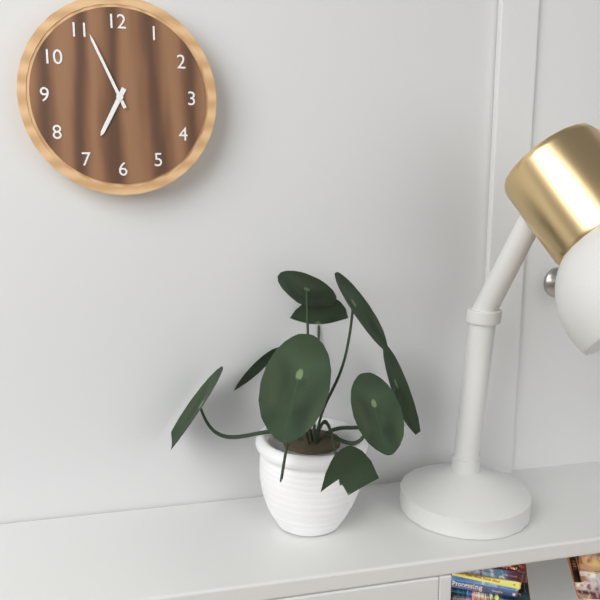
6:56
